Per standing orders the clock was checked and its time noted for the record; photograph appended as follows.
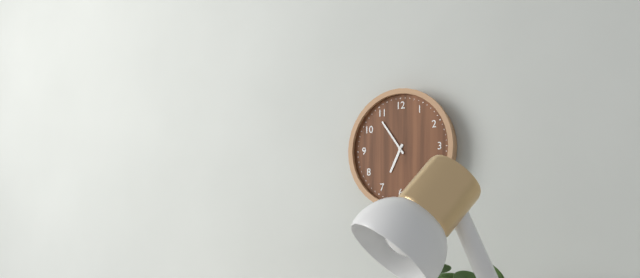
6:54
